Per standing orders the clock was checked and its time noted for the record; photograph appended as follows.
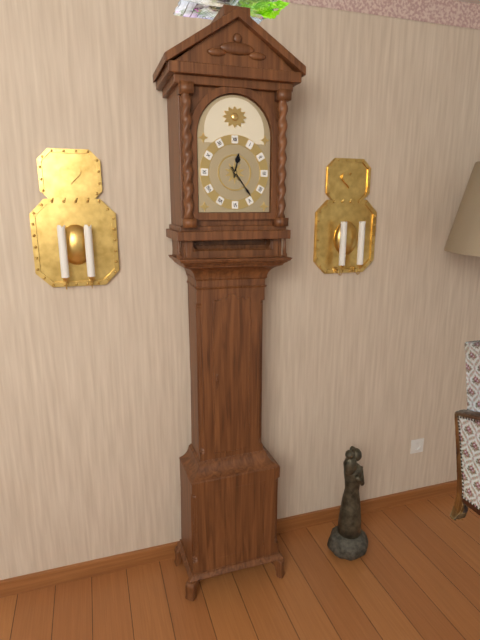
12:24
